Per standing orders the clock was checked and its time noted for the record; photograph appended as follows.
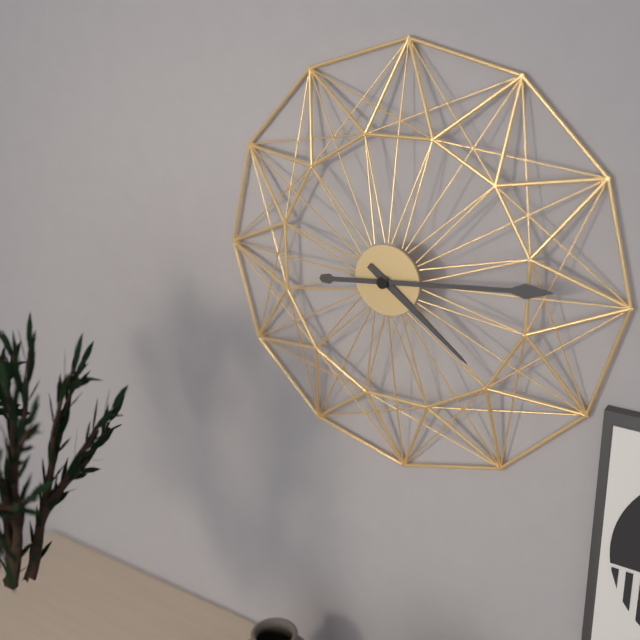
4:14
